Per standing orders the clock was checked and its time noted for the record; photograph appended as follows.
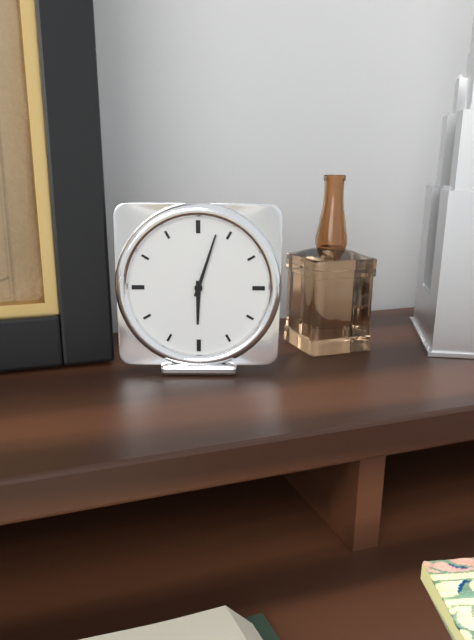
6:03
